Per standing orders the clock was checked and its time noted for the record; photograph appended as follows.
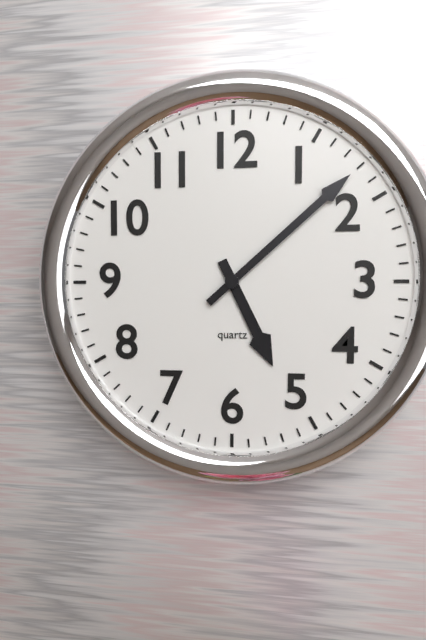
5:08
